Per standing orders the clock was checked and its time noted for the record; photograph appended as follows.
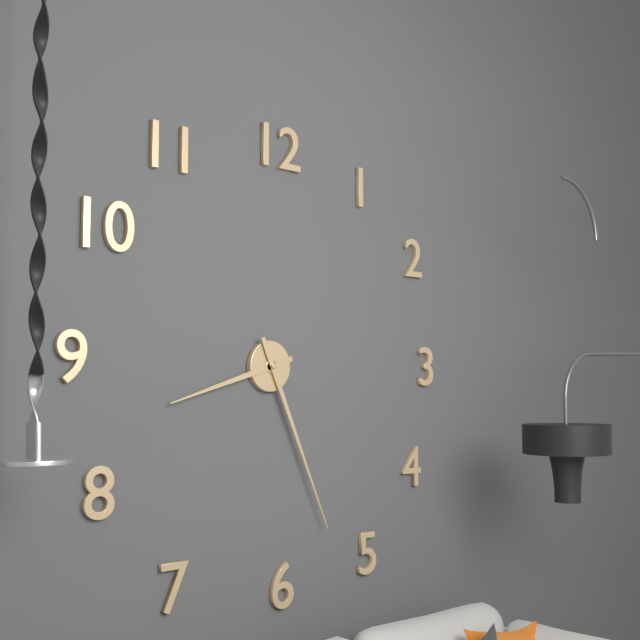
8:26
